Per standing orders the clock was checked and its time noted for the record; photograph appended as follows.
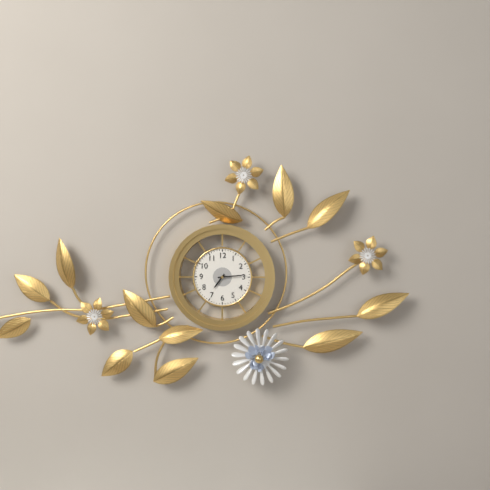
7:14
